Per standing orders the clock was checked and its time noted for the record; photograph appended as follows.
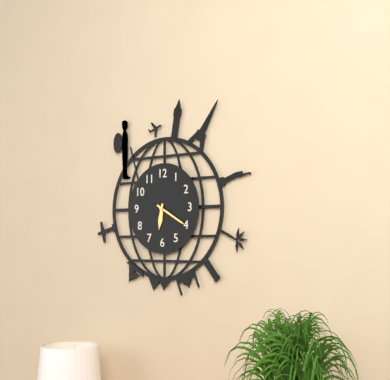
6:20
